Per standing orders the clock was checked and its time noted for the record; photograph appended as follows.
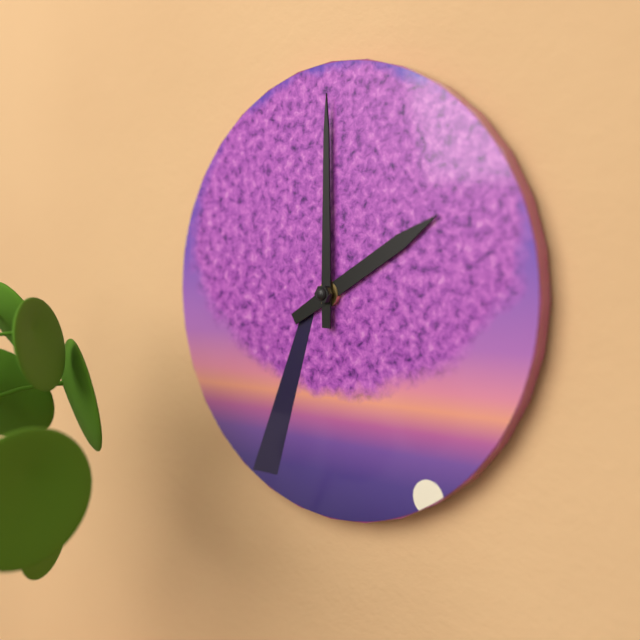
2:00
